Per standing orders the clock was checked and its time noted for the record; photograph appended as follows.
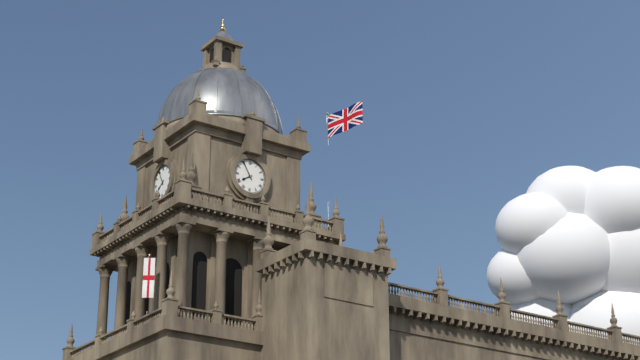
7:55
